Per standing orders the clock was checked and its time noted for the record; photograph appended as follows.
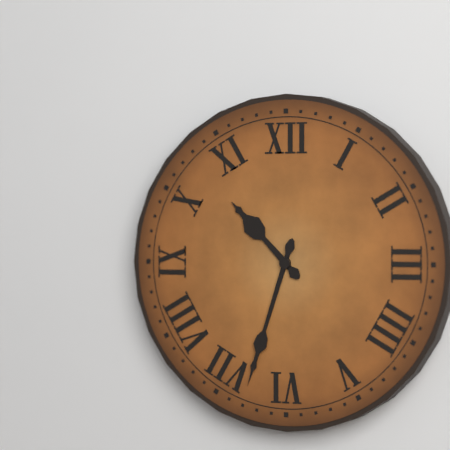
10:33
